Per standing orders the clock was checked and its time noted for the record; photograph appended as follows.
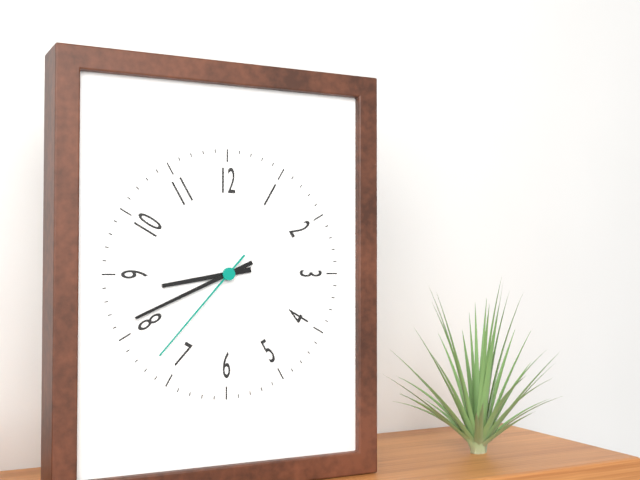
8:41:37
